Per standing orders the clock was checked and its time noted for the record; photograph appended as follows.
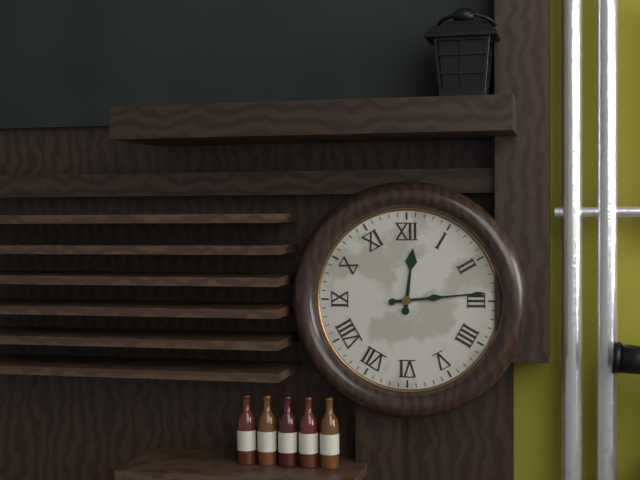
12:14
